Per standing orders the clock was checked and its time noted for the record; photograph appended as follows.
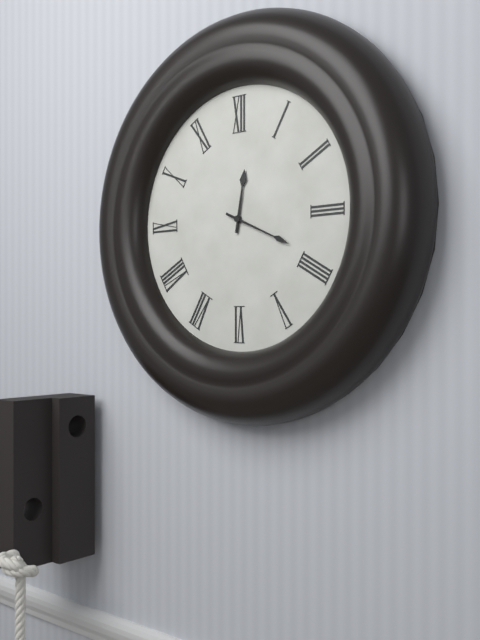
12:19
